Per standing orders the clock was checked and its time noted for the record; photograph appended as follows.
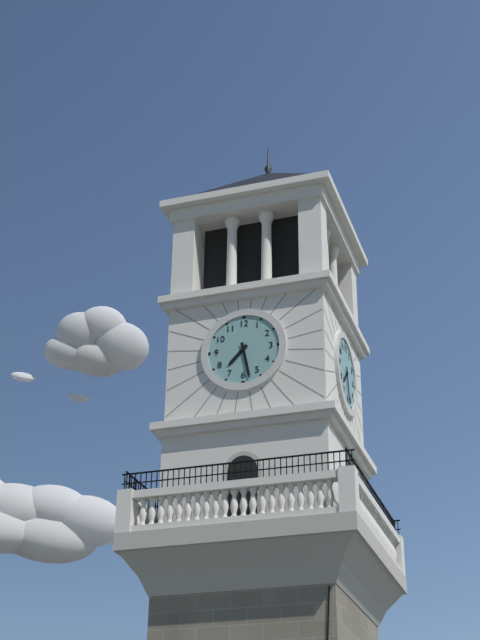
7:28
